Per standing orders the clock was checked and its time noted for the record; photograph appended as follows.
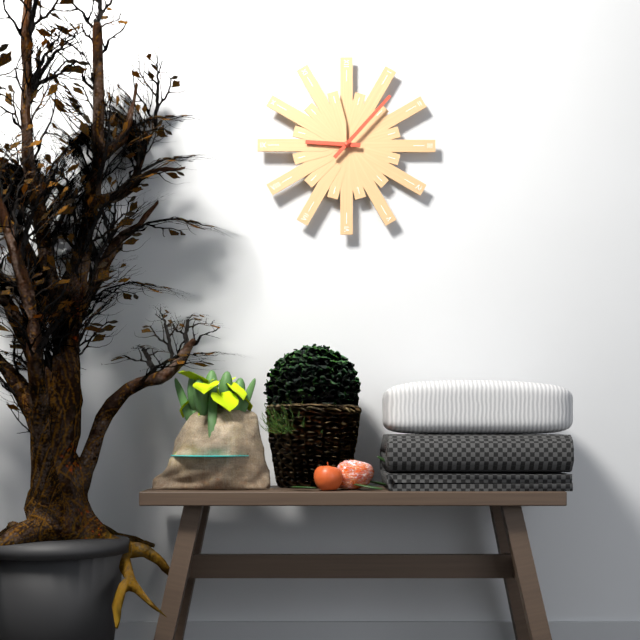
9:07
